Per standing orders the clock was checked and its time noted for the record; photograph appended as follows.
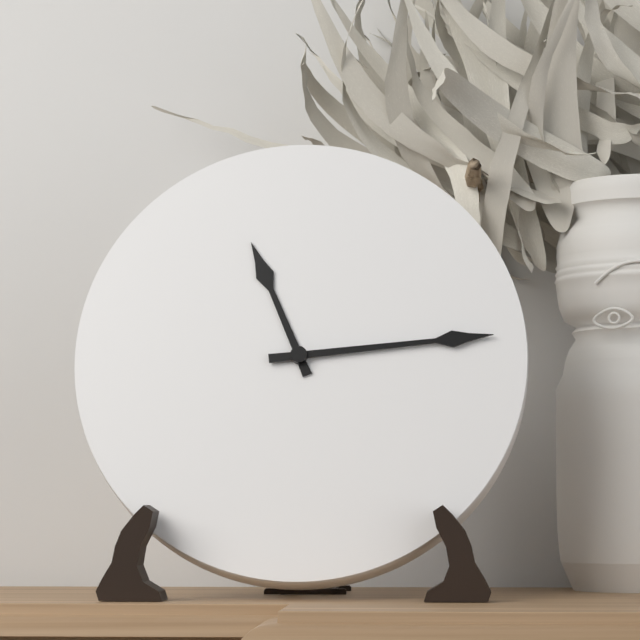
11:14
